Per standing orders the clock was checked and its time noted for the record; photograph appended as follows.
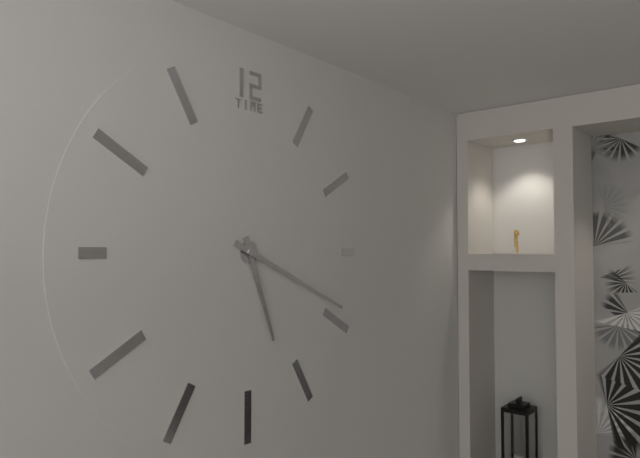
5:19
